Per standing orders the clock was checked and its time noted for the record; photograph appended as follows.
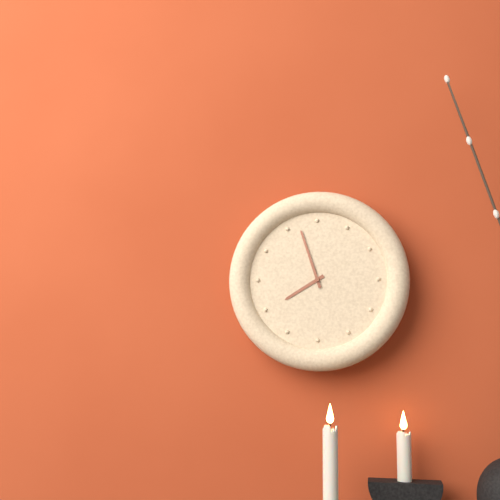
7:57
